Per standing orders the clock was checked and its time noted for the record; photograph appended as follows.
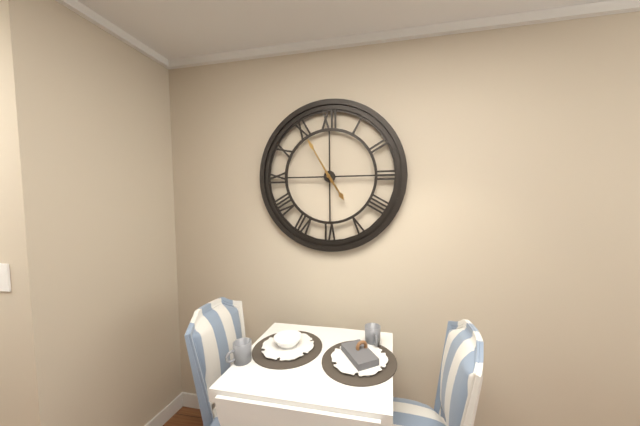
4:55
